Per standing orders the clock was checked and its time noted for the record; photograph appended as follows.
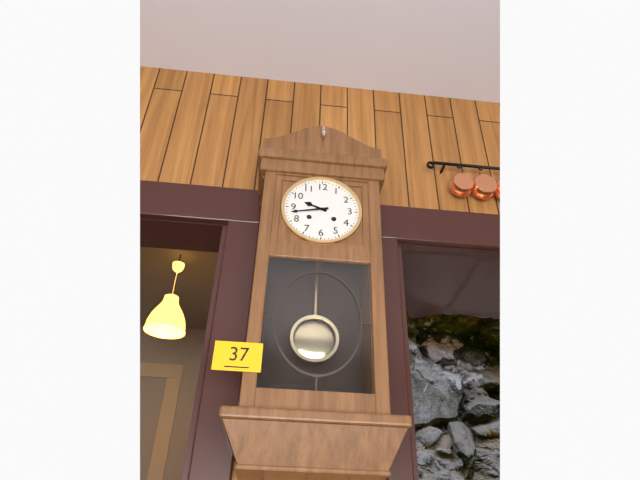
9:43
